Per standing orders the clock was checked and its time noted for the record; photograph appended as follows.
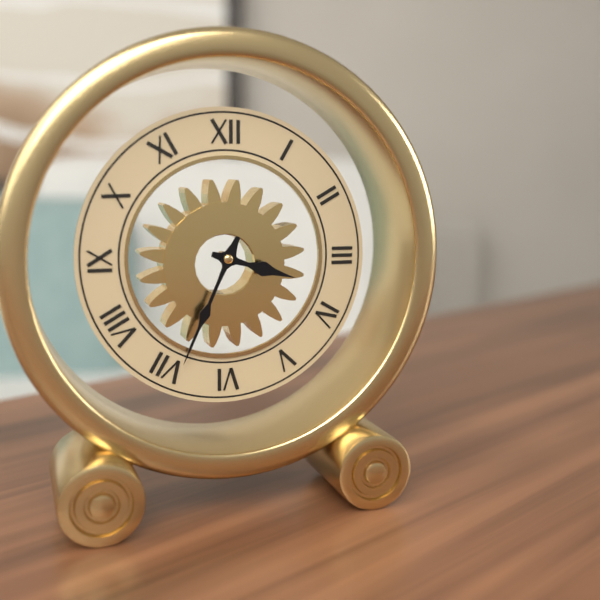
3:34
